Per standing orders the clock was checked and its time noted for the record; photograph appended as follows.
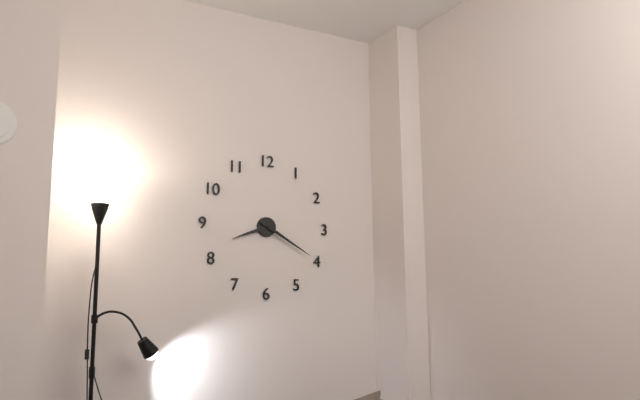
8:20
